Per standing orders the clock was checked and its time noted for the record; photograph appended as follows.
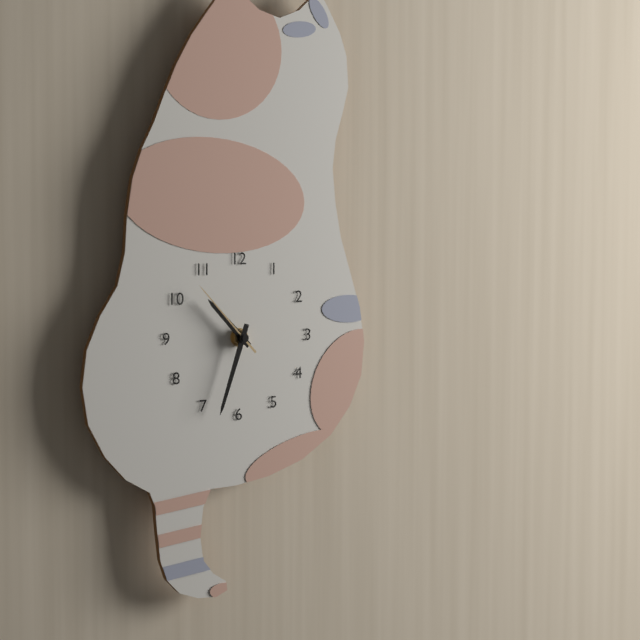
10:33:53
